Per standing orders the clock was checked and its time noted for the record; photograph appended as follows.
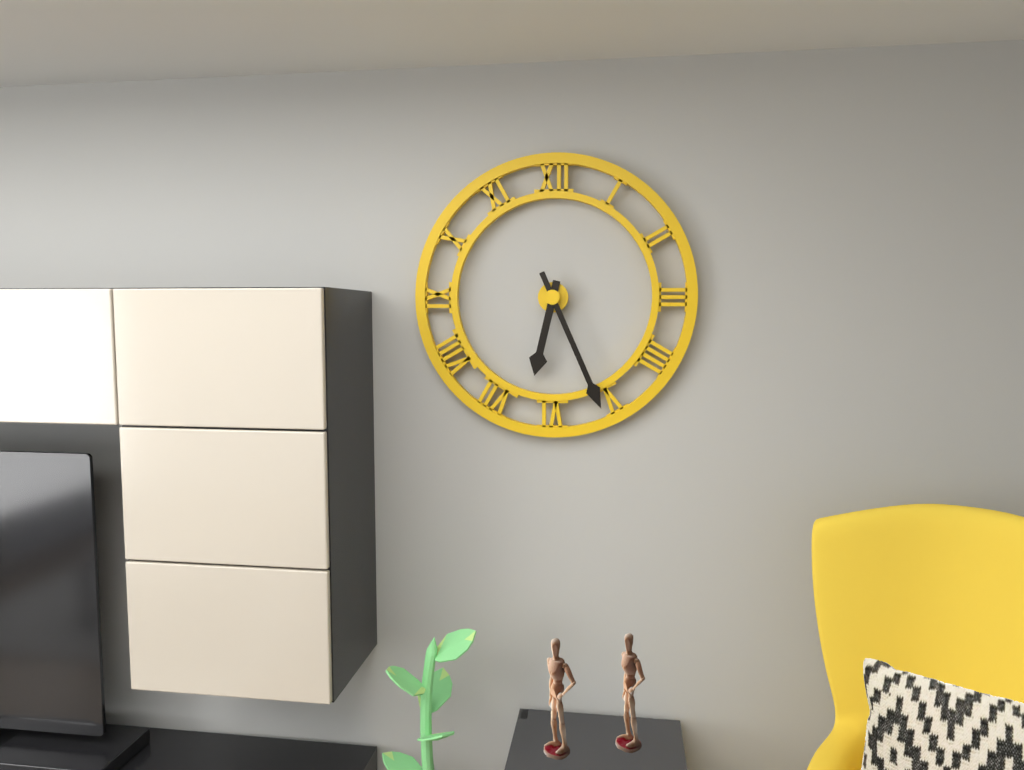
6:26
